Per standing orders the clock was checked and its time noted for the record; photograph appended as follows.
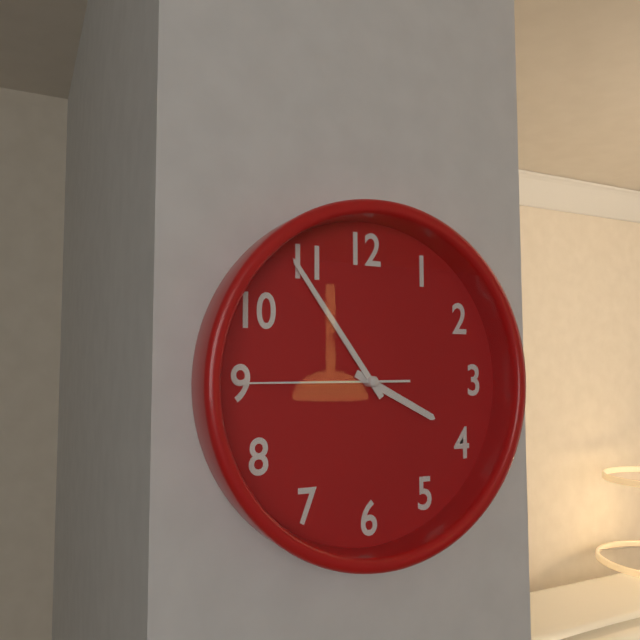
3:54:45
